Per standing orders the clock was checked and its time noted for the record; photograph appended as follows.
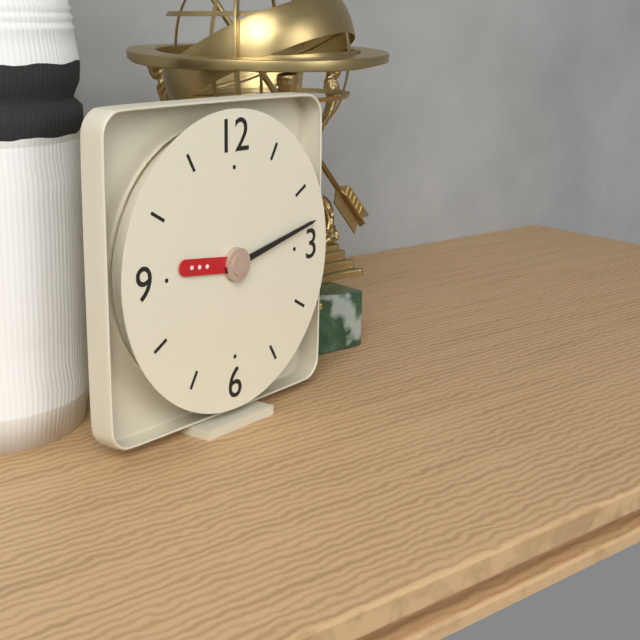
9:13
